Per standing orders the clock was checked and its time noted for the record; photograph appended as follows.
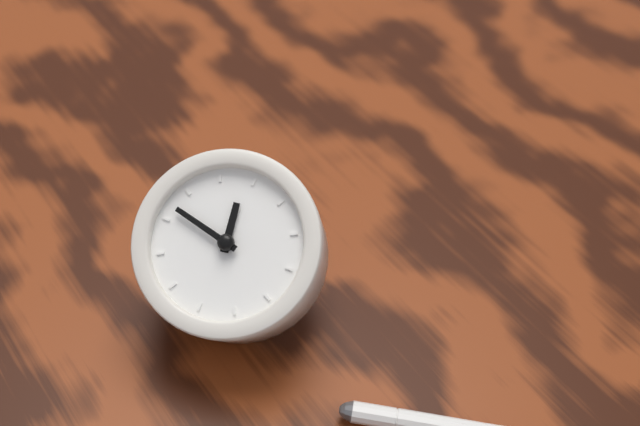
10:42
